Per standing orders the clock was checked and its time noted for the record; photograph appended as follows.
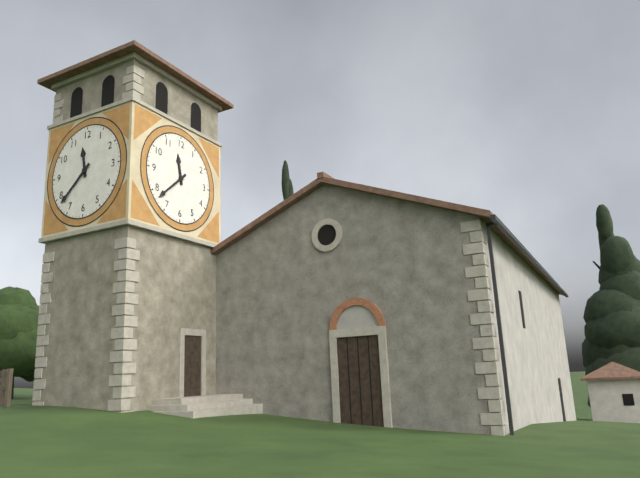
11:38
